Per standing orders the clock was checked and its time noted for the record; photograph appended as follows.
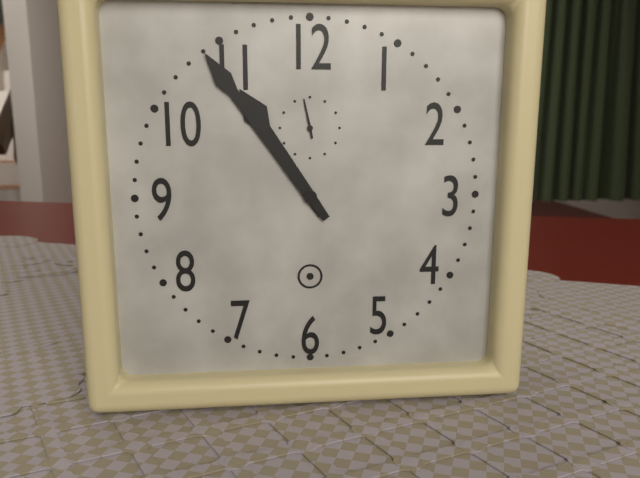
10:54
